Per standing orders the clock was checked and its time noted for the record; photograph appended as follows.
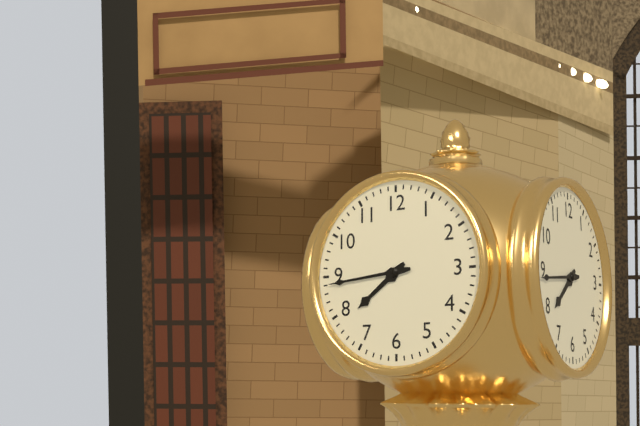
7:44
